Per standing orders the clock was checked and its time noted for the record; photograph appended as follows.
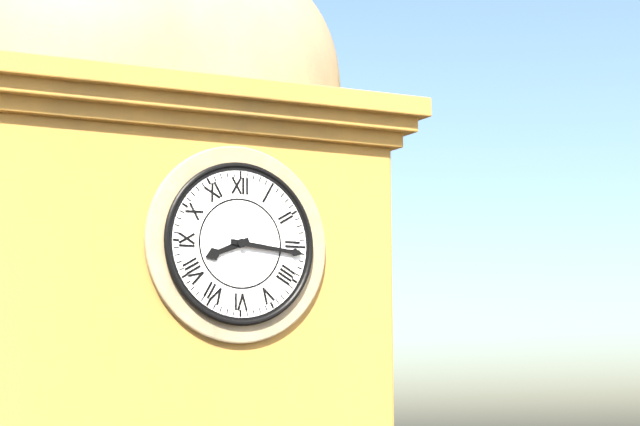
8:16
